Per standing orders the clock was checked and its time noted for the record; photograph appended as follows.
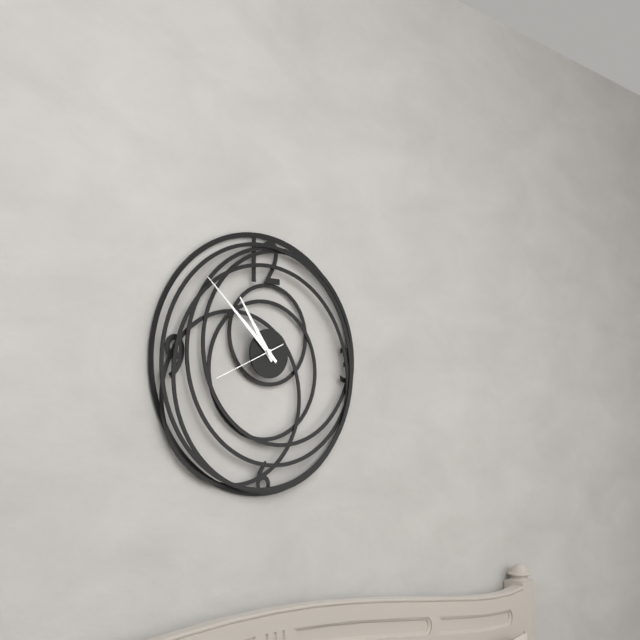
10:52:41
